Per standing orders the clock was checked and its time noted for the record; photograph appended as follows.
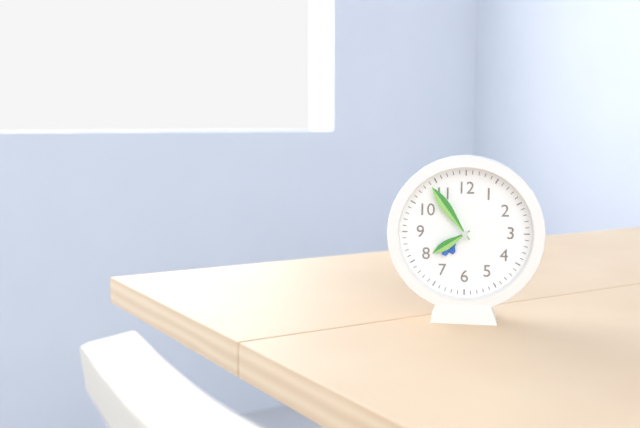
7:54
